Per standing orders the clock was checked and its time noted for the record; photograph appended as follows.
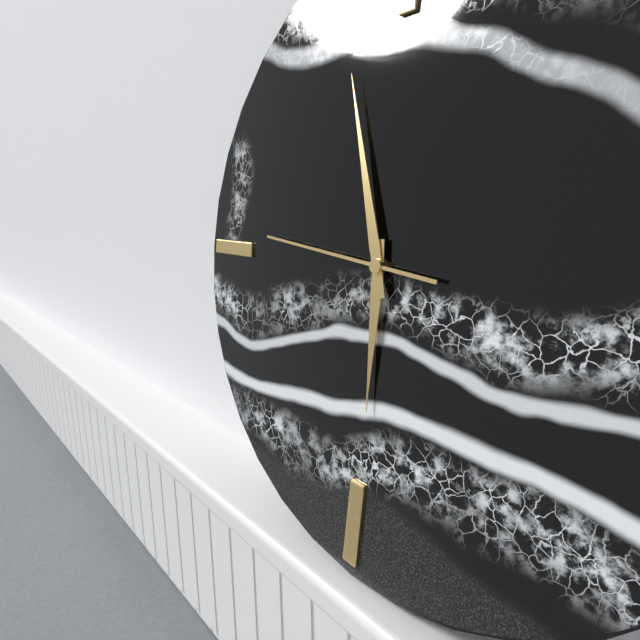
5:57:46
